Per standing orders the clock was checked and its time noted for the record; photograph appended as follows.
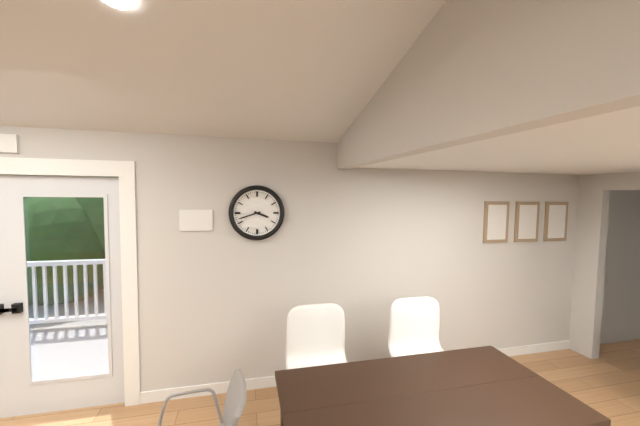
3:42
